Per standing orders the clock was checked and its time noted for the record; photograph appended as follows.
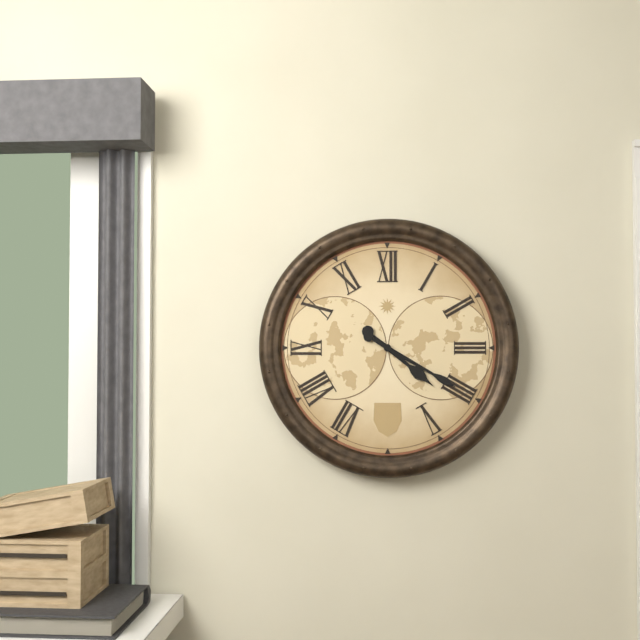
4:20
